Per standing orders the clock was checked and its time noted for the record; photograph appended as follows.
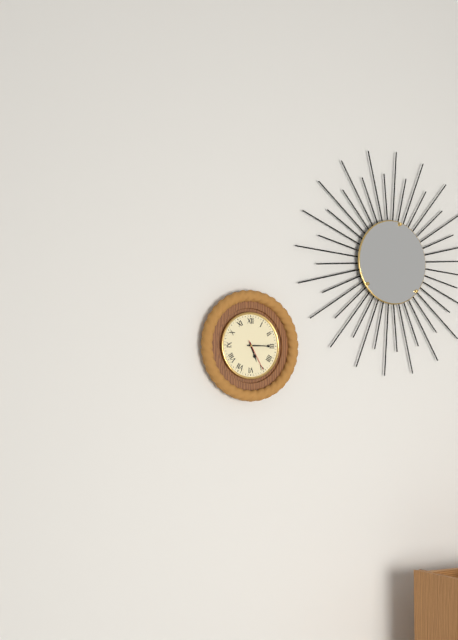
5:15
